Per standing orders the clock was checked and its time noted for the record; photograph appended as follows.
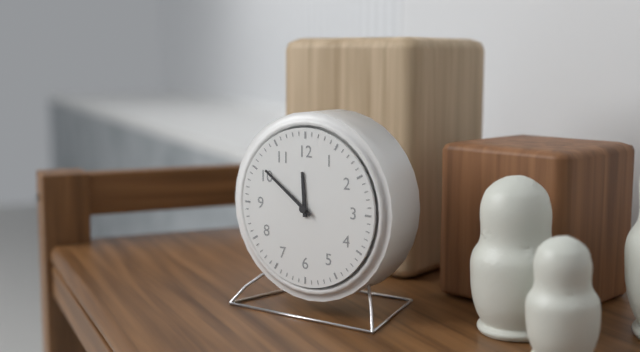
11:51
